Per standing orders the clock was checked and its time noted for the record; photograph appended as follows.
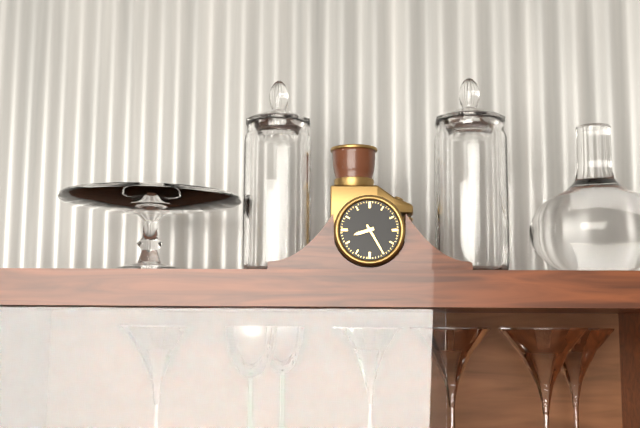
8:25
